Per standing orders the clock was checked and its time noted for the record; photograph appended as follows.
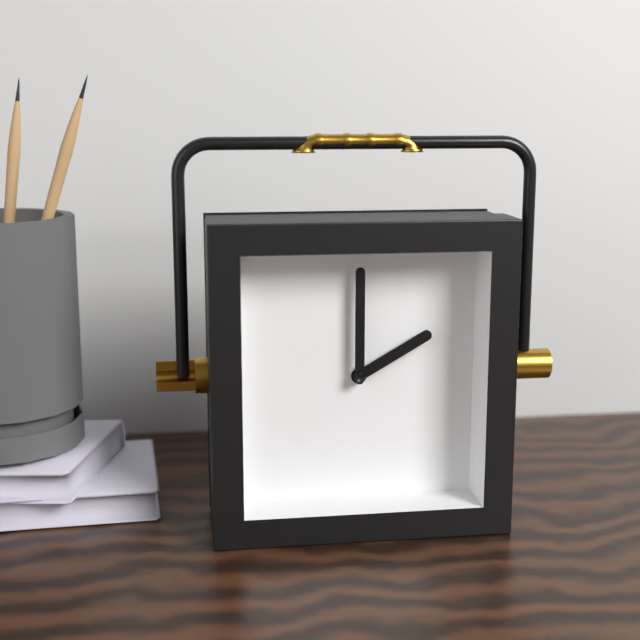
2:00
